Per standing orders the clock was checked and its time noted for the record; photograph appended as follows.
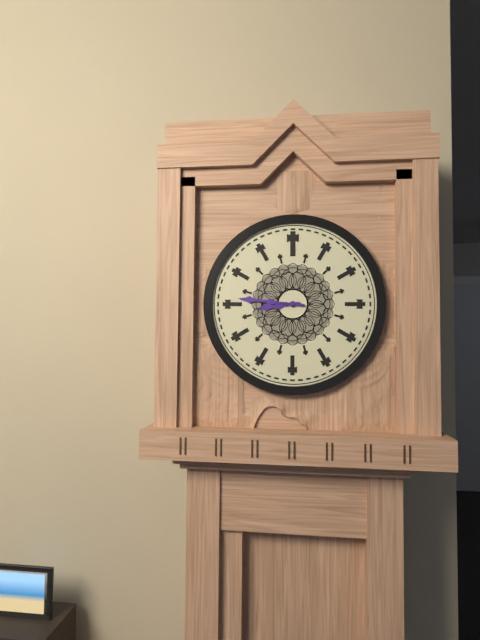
8:46
